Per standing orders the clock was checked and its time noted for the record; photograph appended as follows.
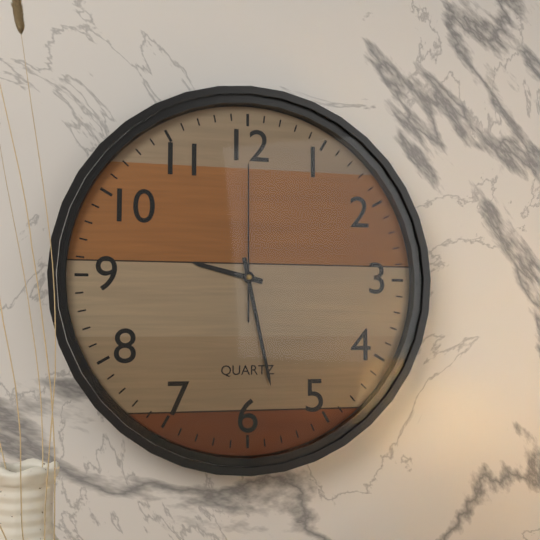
9:28:00
